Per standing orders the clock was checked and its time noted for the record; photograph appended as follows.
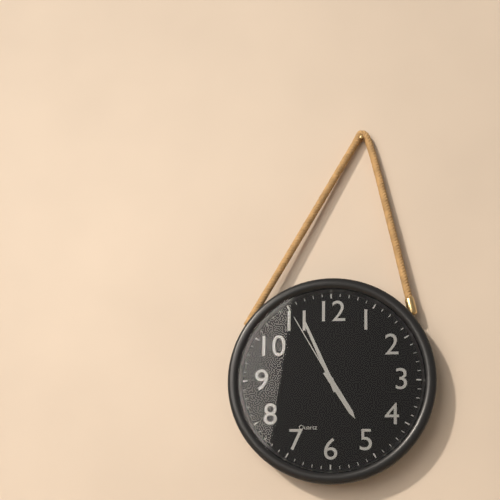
4:56:55
